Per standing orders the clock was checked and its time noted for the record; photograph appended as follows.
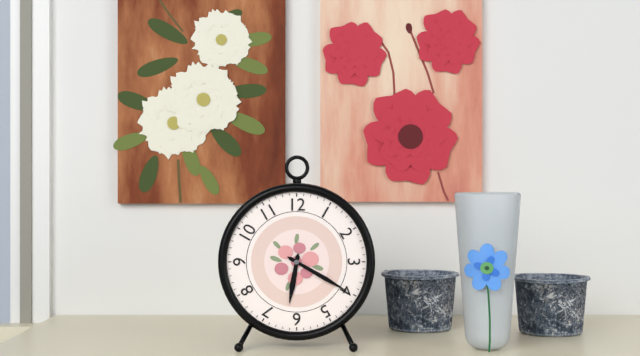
6:20
